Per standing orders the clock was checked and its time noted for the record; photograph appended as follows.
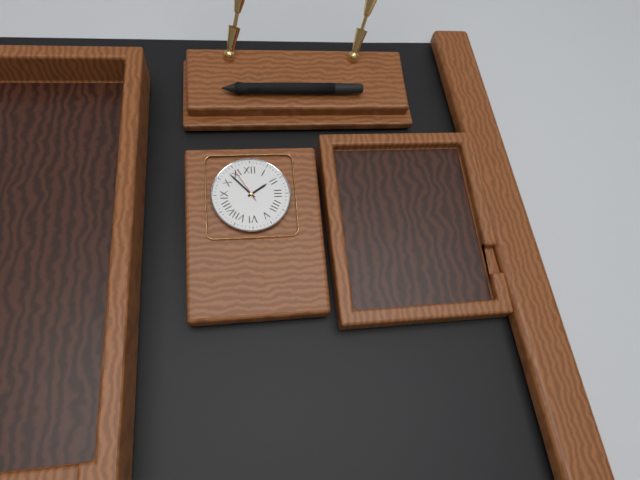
1:53
